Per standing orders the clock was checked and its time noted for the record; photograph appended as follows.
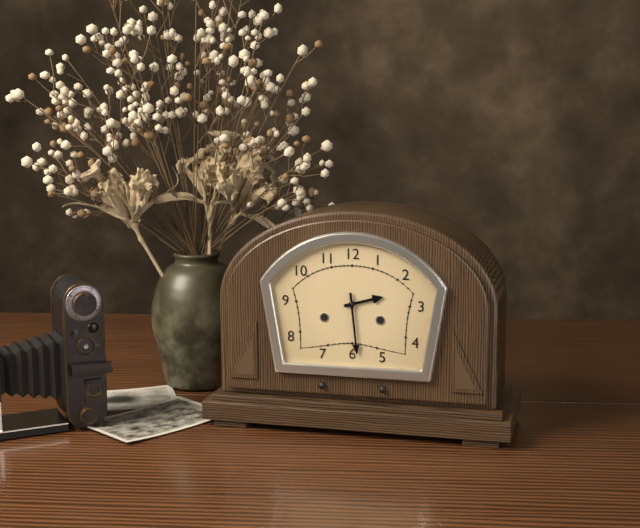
2:29
